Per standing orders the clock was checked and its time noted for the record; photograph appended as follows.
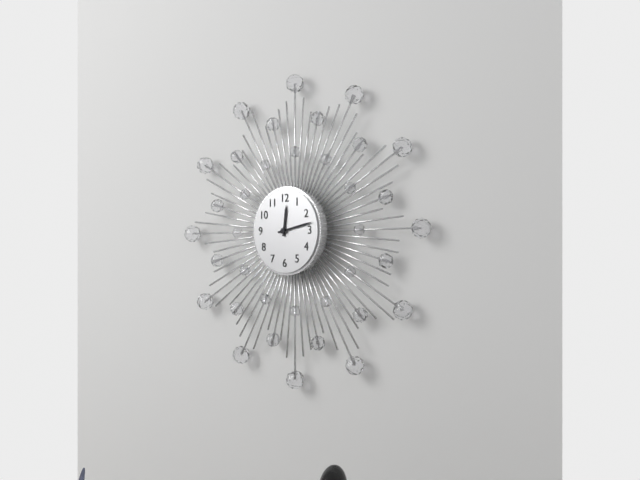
12:13
